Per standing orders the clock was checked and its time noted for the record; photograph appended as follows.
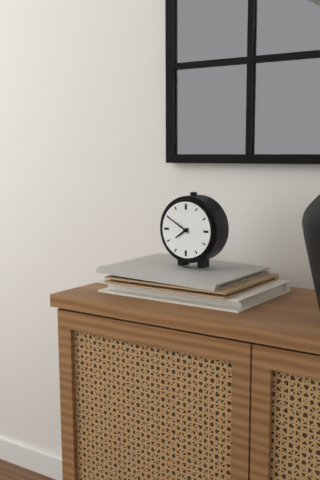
7:50
